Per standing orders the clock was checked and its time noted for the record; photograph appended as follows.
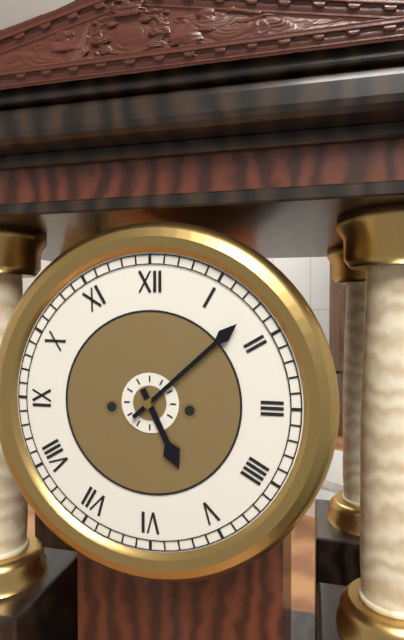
5:08
